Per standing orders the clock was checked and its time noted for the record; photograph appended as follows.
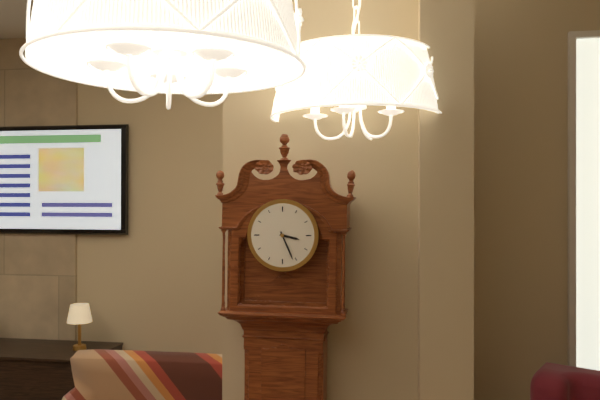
3:26
